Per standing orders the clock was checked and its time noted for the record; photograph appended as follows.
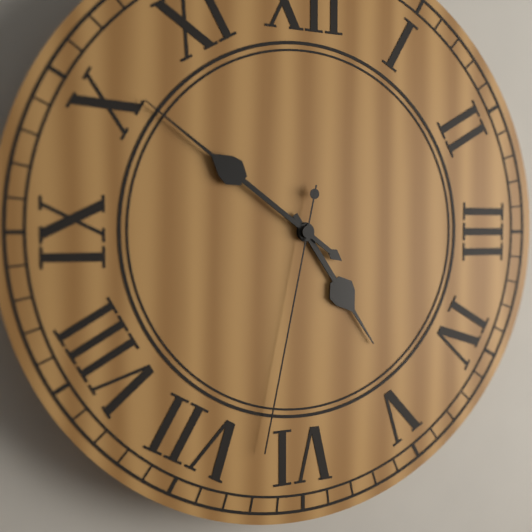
4:51:32
